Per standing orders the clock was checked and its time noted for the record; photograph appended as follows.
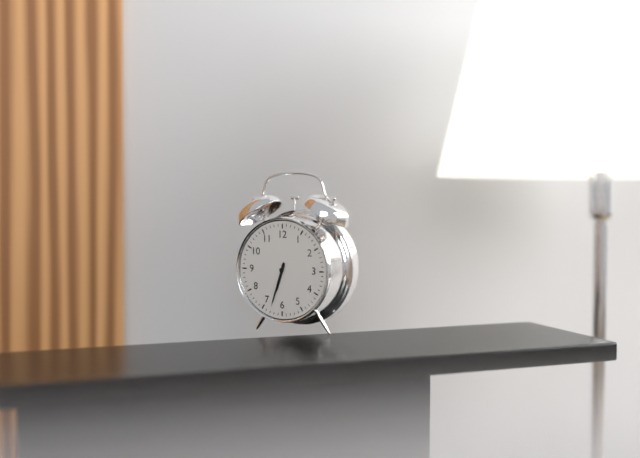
6:33
